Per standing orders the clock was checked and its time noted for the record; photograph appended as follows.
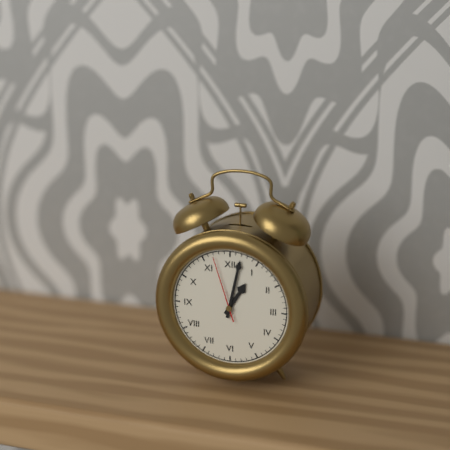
1:02:57
